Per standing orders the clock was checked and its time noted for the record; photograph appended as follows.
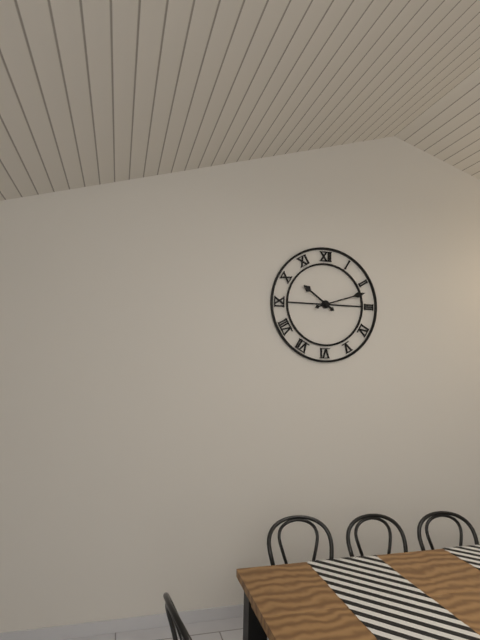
10:12
